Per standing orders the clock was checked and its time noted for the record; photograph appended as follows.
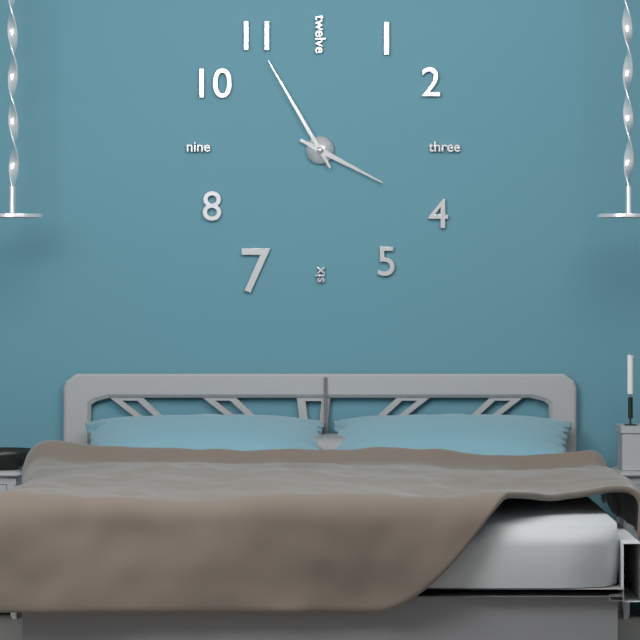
3:55
